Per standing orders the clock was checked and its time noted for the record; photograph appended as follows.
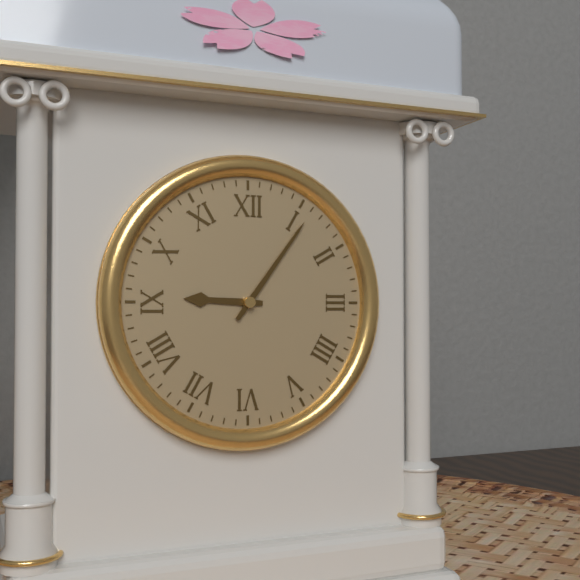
9:06
